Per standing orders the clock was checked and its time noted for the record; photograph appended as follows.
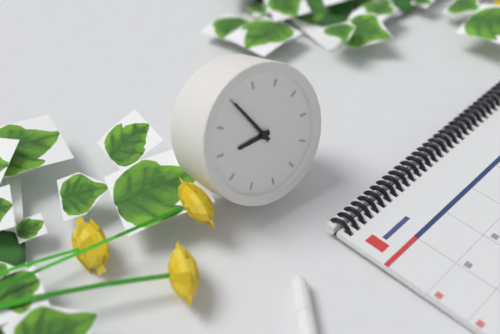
8:55
